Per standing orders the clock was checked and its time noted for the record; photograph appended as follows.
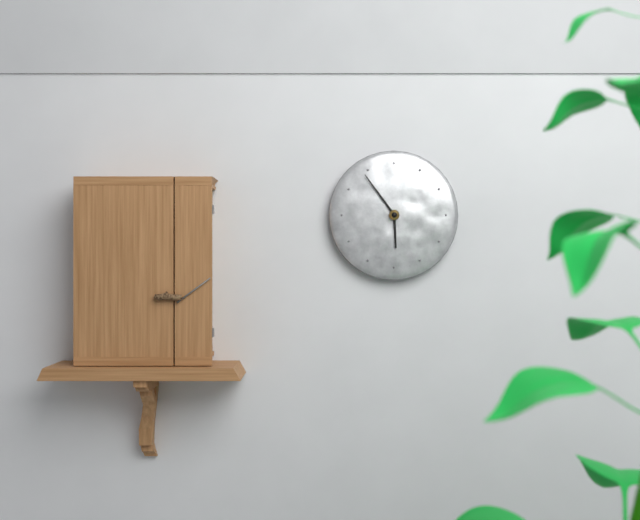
5:54
